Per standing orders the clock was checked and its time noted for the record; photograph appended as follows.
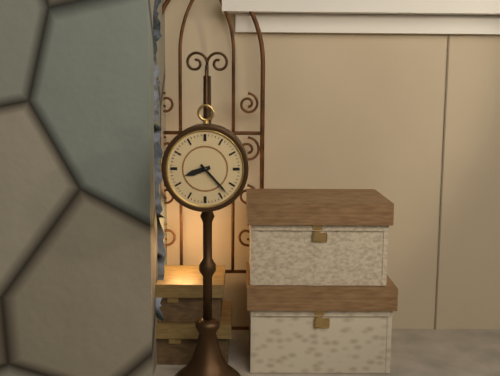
8:23
